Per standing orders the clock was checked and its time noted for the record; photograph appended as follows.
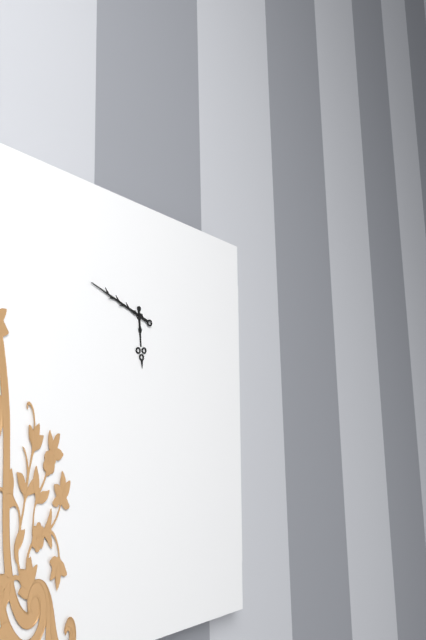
5:48
